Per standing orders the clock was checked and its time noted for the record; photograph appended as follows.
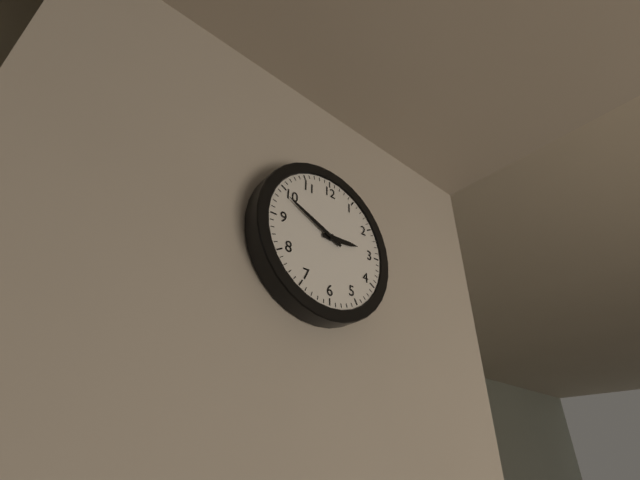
2:49
